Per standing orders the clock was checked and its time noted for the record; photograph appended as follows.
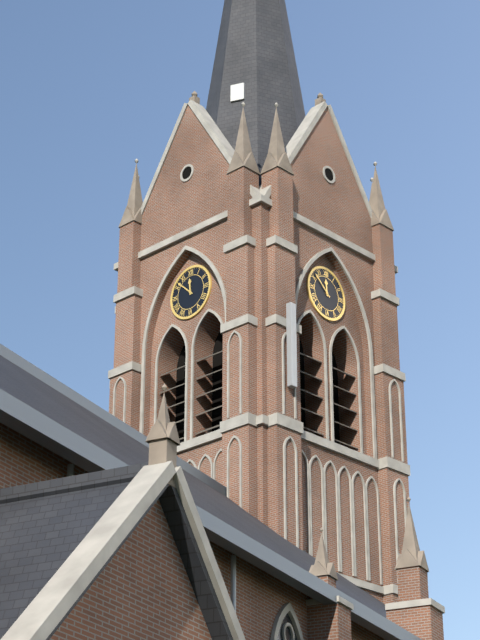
11:52
